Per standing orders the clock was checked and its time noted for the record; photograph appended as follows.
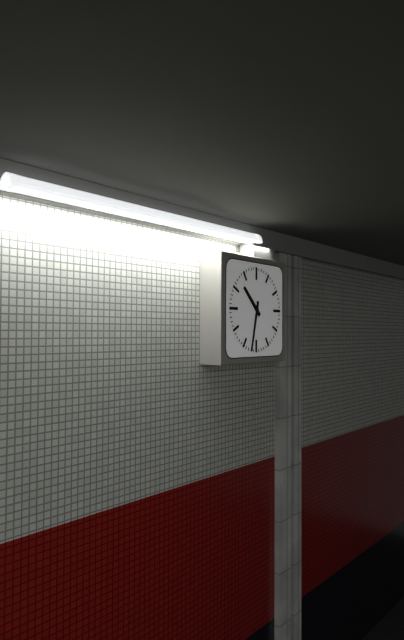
10:32
